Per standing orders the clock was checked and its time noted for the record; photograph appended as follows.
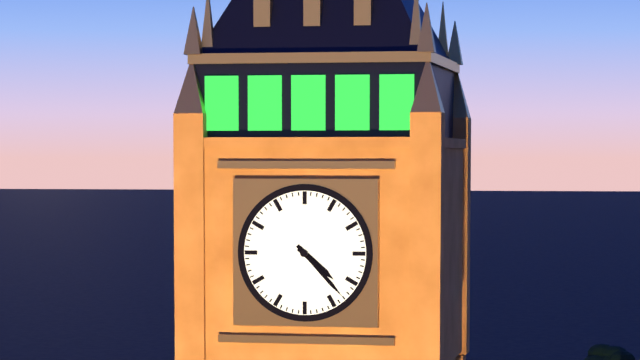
4:23
